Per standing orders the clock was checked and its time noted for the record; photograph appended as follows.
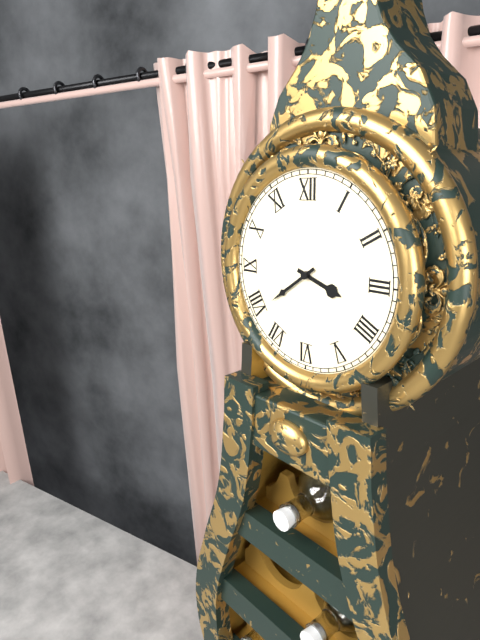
3:39
